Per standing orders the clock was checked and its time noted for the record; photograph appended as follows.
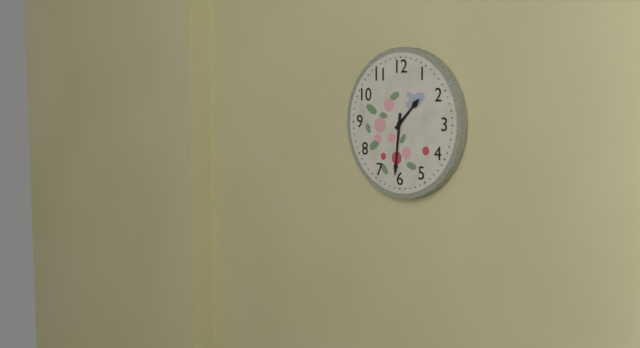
1:31
